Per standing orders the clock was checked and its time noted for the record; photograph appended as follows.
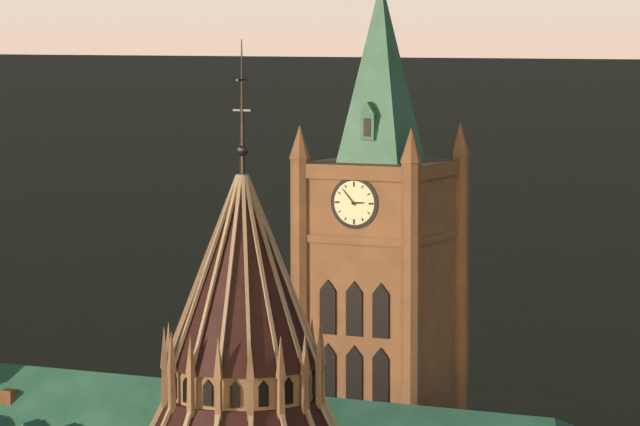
2:53
